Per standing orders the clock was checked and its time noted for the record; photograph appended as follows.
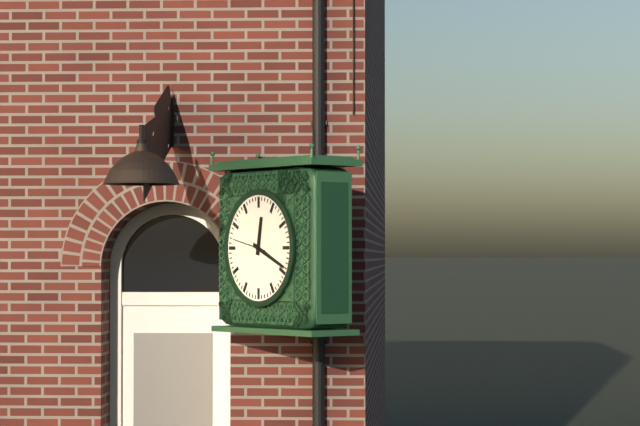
12:19:47
